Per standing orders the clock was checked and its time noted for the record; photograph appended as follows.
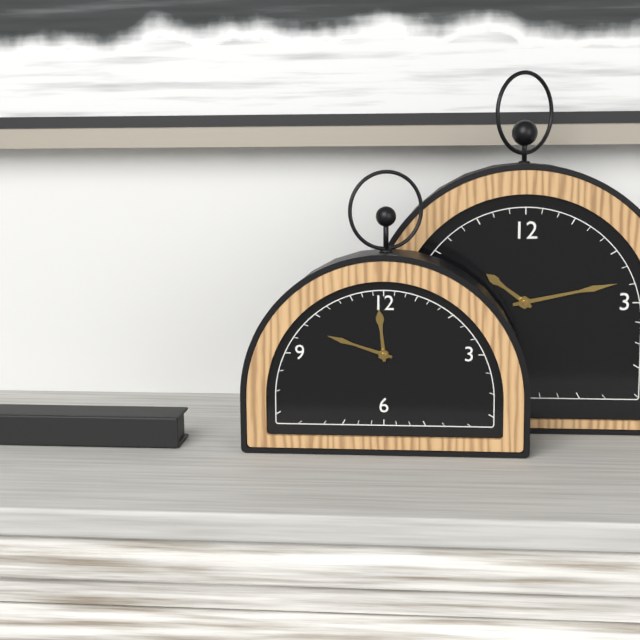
11:48
